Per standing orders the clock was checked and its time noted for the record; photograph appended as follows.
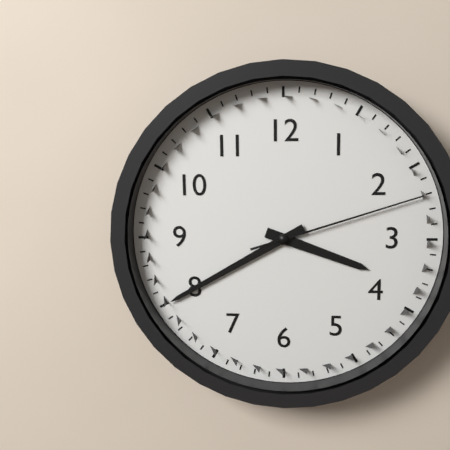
3:40:12
